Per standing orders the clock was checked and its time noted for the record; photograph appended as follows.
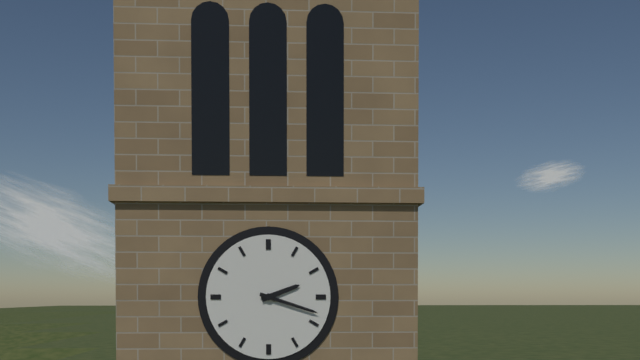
2:18
